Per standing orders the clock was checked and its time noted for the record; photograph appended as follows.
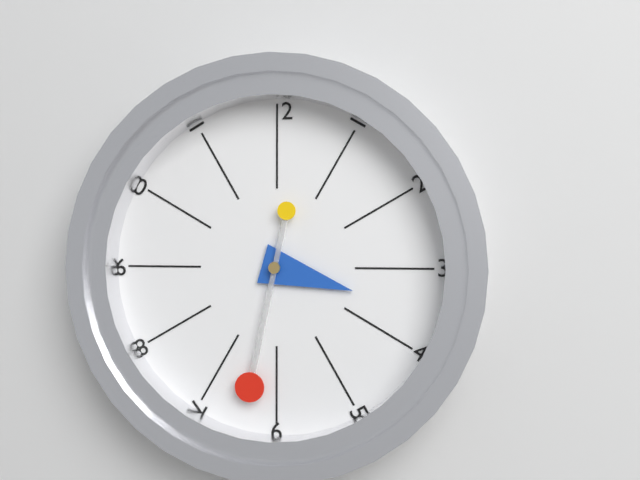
3:32
